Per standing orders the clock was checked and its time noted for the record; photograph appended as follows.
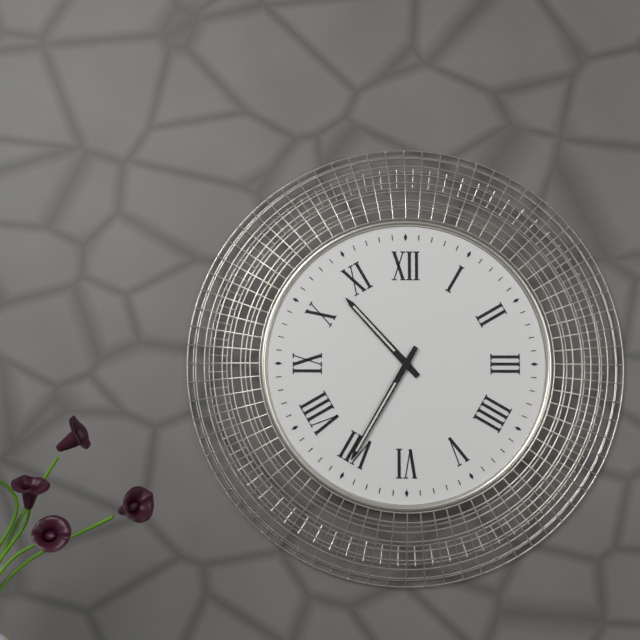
10:35
